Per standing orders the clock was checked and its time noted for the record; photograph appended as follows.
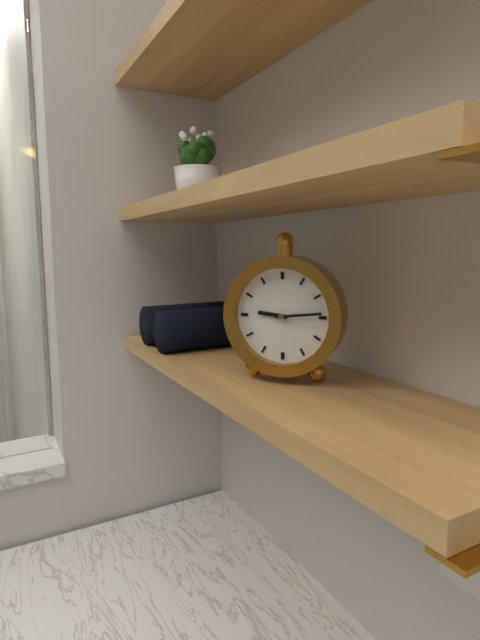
9:14
